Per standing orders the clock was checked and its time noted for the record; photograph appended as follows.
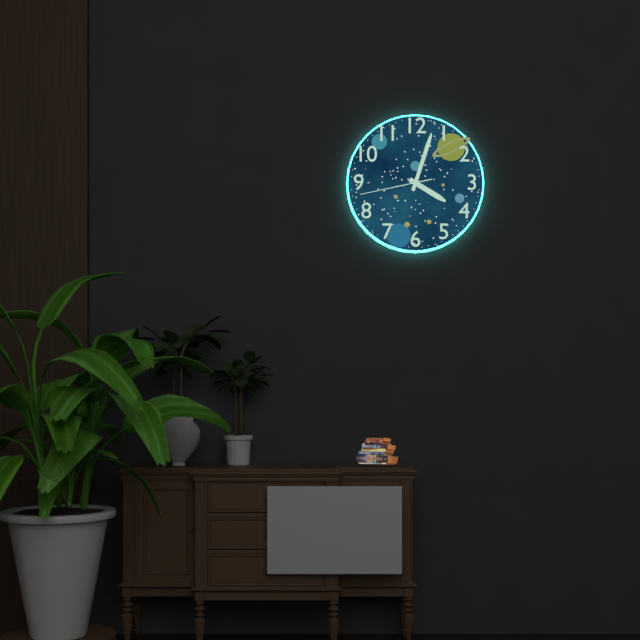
4:03:43
